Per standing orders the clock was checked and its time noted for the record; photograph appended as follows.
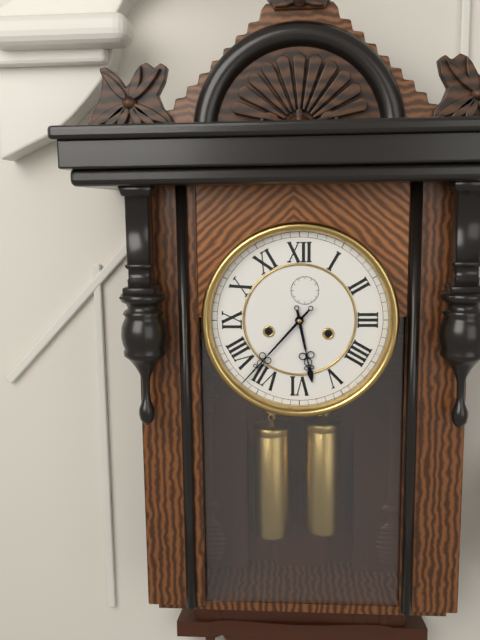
5:37
